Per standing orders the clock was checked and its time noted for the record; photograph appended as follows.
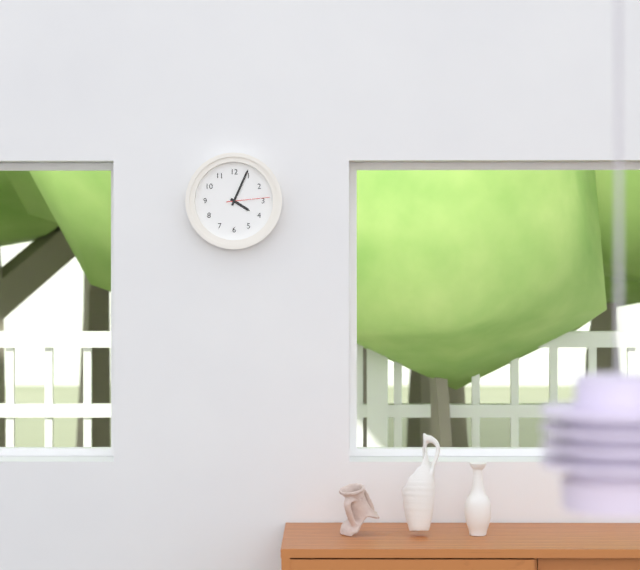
4:04
